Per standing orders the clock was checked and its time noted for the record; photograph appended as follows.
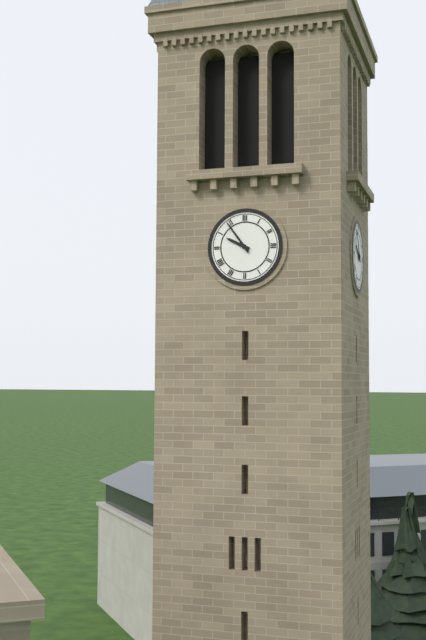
9:54
